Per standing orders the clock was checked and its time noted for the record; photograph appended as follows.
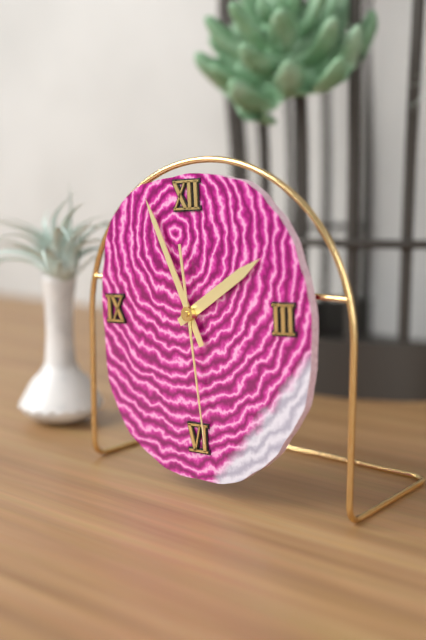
1:56:29
